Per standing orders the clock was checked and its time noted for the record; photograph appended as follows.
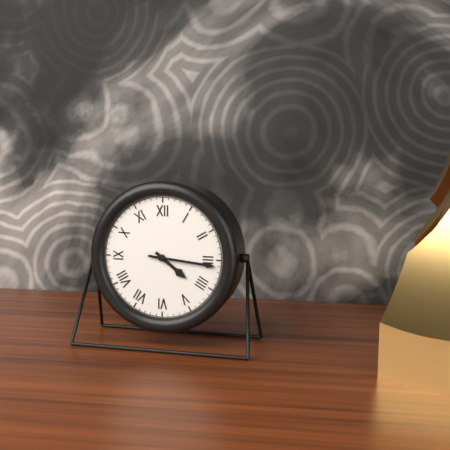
4:16
